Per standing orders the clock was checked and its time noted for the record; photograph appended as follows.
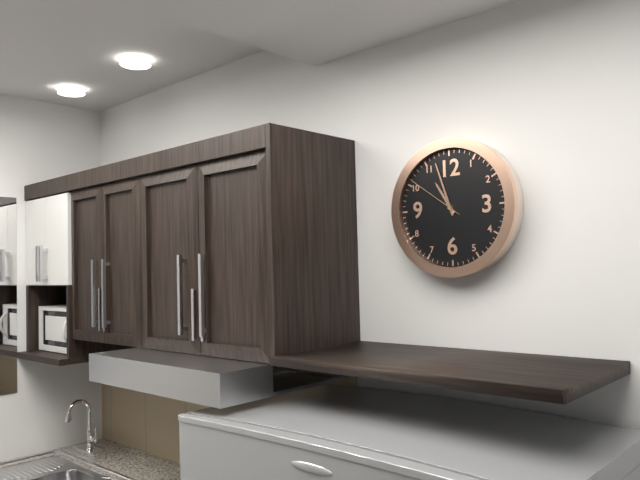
10:57:51
